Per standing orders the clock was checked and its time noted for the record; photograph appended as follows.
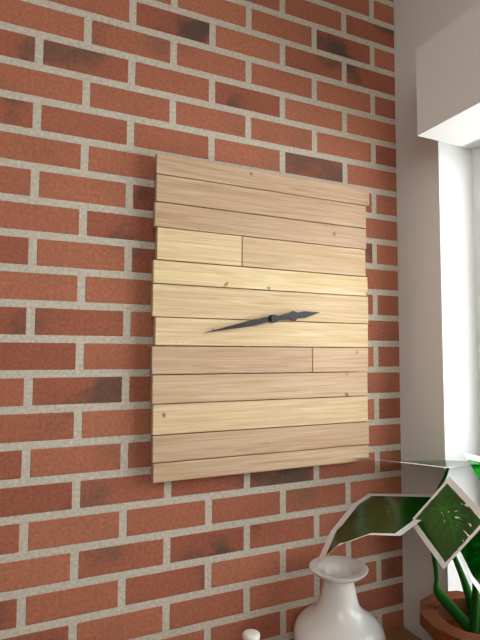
2:43
